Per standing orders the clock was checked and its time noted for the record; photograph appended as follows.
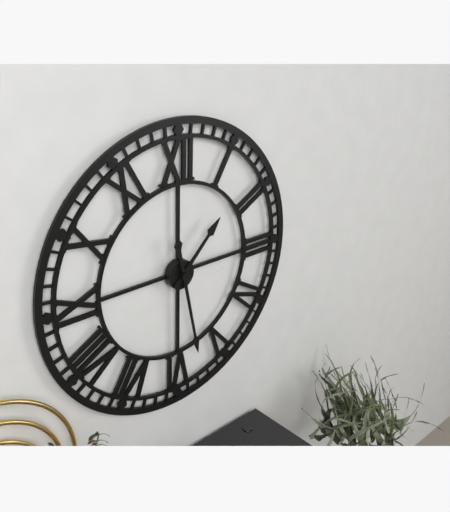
1:28
